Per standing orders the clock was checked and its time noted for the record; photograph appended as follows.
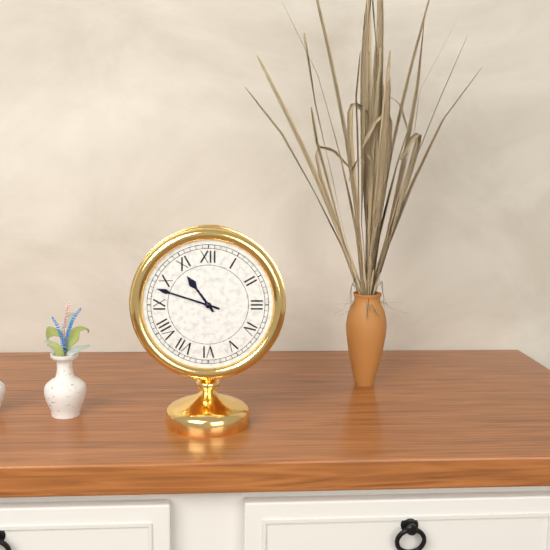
10:48
